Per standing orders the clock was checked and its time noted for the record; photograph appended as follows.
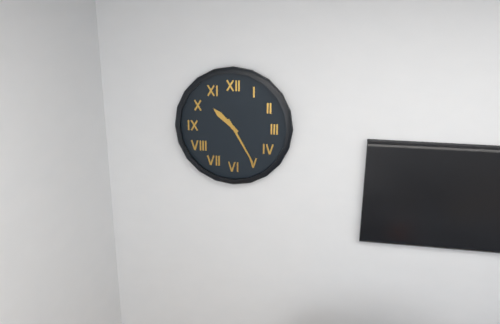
10:25
